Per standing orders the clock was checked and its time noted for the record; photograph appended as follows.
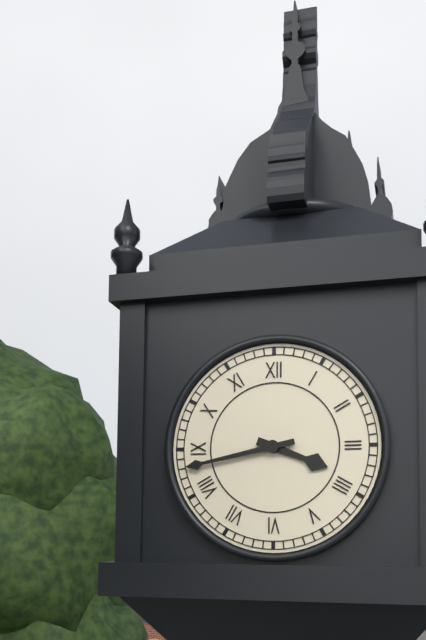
3:43
